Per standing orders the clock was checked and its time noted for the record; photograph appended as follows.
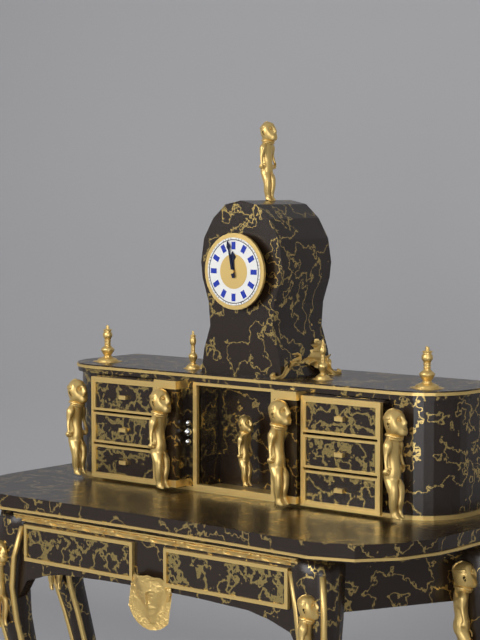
11:58
